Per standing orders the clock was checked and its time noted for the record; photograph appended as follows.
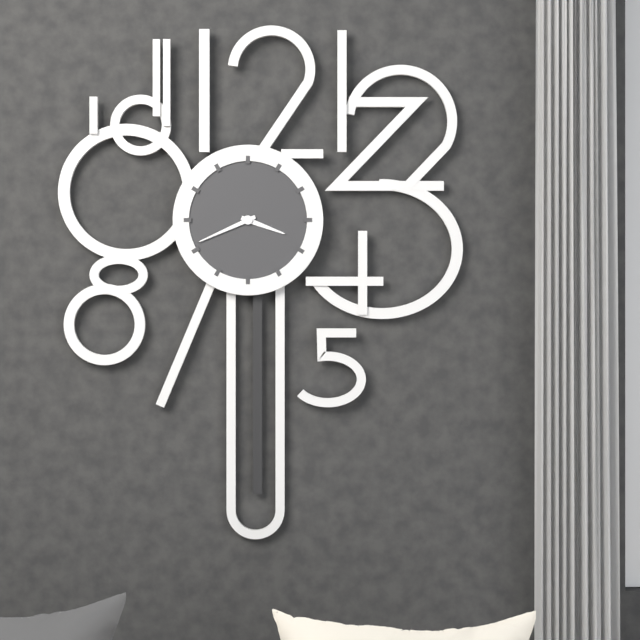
3:41
